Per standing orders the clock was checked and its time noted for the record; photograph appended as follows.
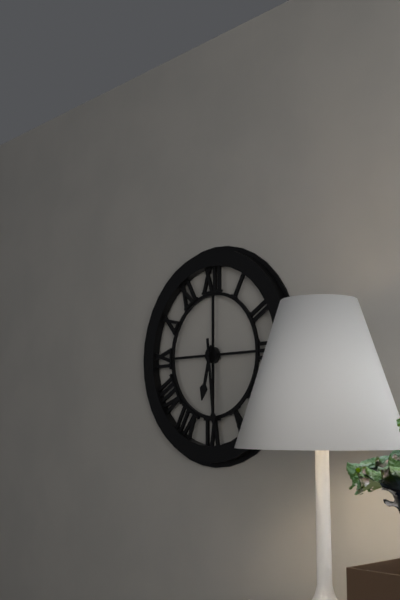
6:29
